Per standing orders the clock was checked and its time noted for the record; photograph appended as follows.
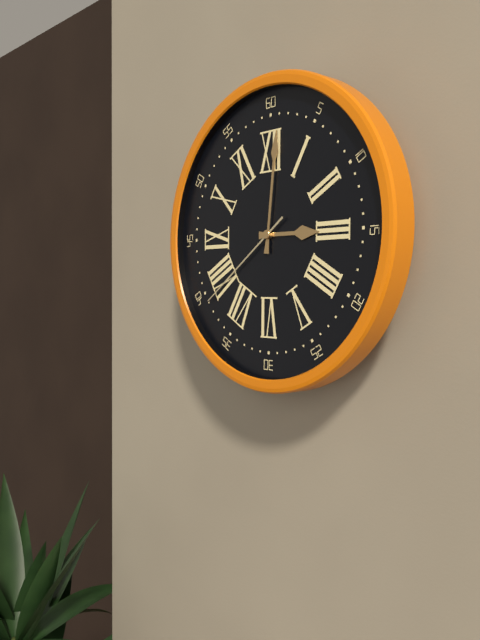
3:01:39
